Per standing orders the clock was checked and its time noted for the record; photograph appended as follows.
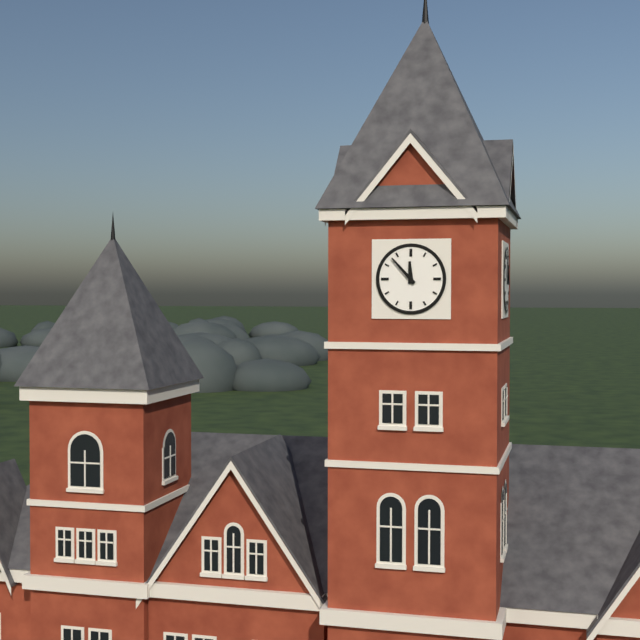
11:53
